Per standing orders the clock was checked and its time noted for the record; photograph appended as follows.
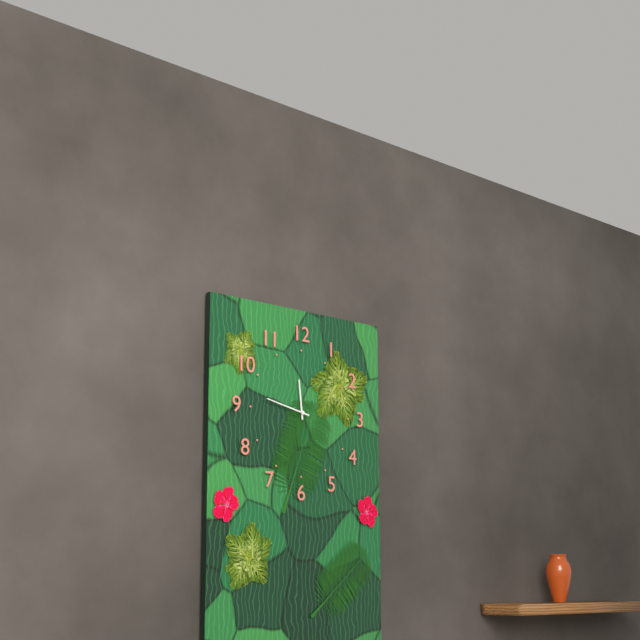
11:47
